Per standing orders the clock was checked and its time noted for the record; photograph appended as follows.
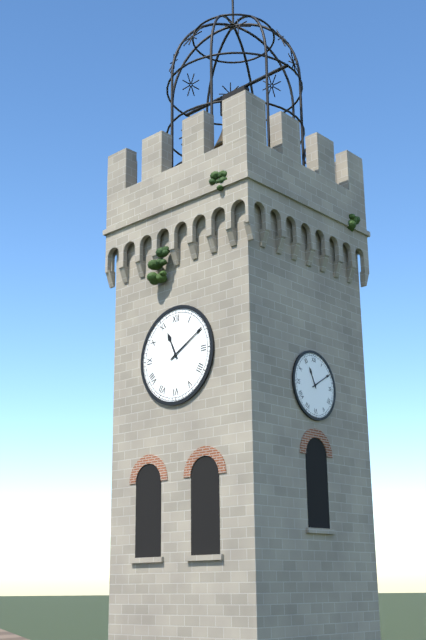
11:10
